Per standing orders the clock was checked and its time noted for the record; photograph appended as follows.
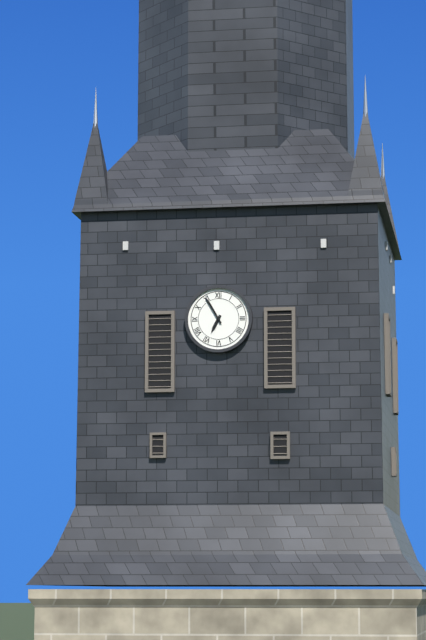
6:55
